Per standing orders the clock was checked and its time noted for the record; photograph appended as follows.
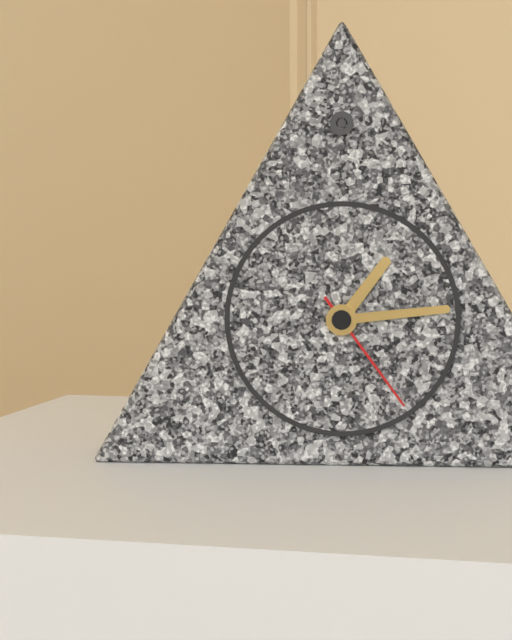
1:14:24
